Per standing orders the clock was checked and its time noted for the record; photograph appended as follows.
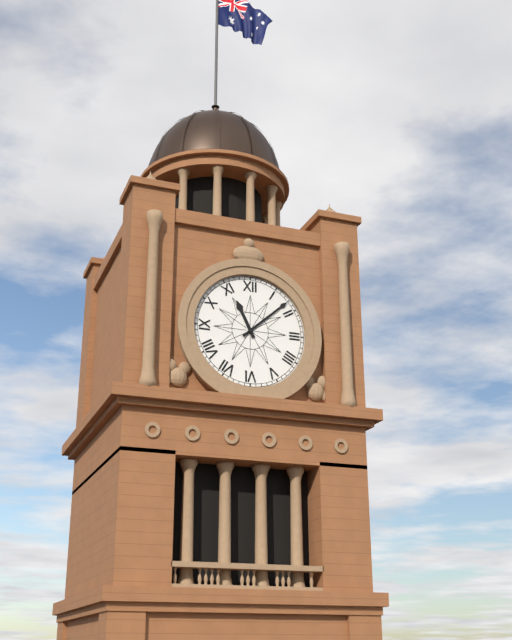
11:08
